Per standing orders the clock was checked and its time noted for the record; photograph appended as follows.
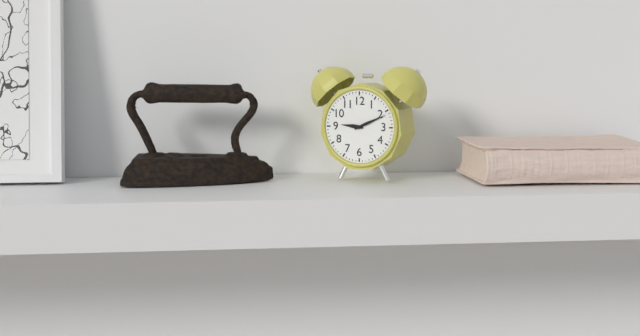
9:11
